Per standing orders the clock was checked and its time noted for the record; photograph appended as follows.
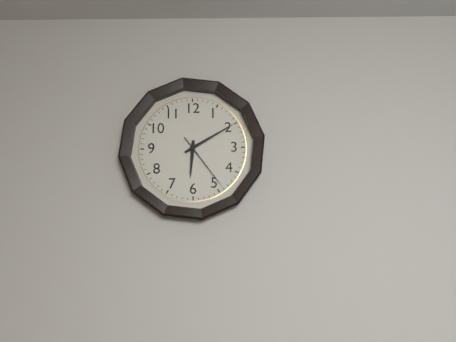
6:10:24
